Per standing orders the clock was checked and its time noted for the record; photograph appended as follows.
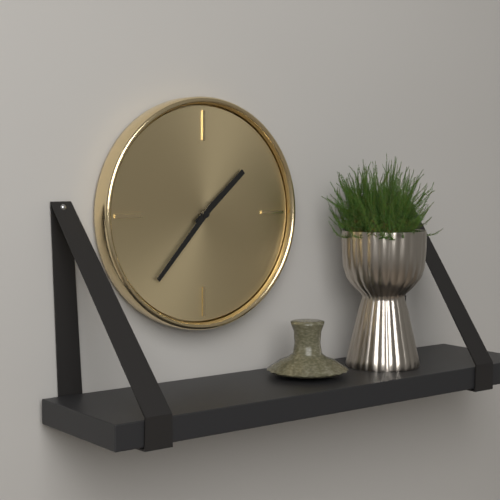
1:37
